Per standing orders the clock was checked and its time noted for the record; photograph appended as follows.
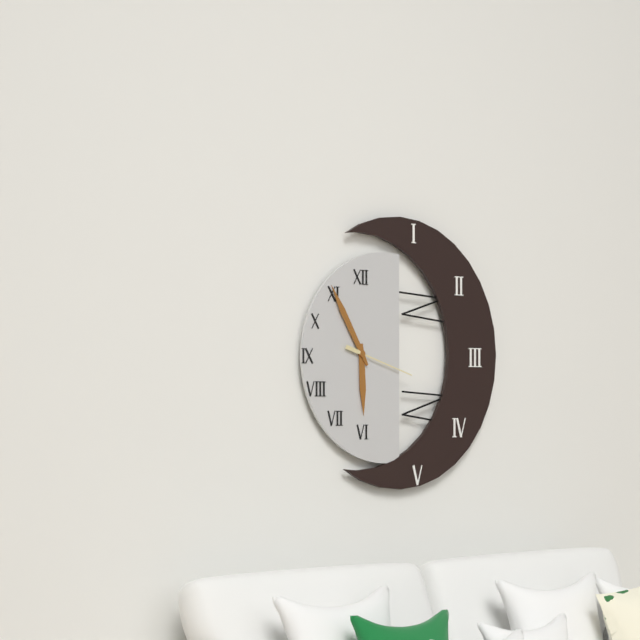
5:55:18
